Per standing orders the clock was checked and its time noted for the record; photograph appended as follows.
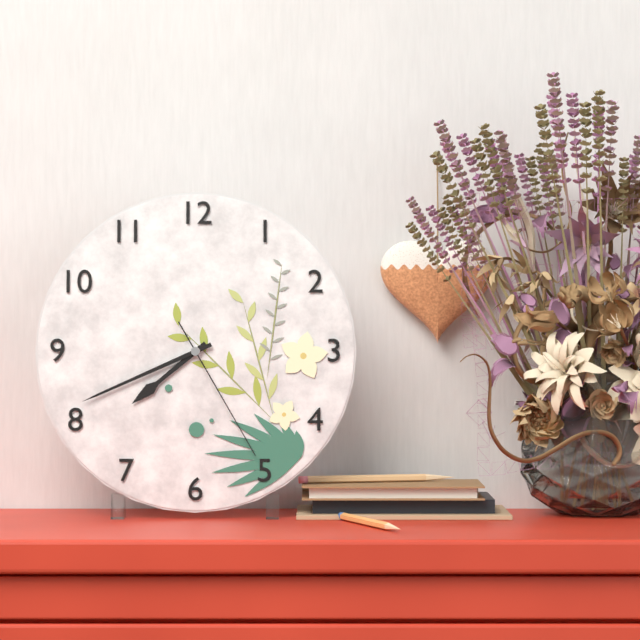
7:41:25
